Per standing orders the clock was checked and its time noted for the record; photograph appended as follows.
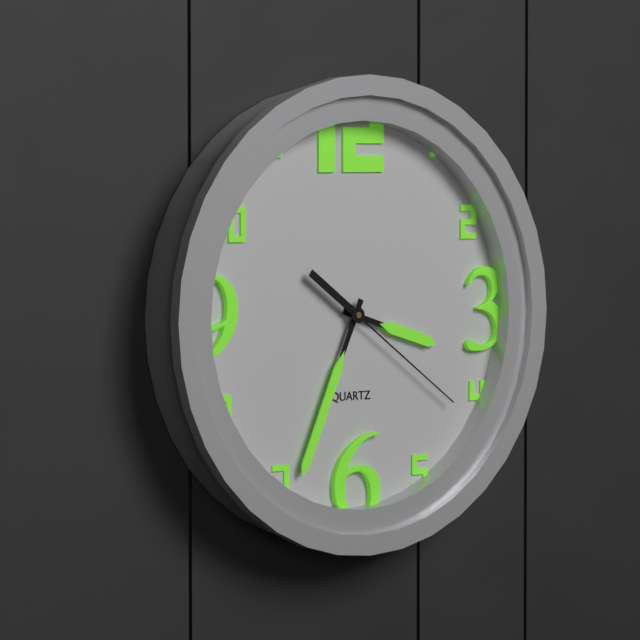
3:34:21
